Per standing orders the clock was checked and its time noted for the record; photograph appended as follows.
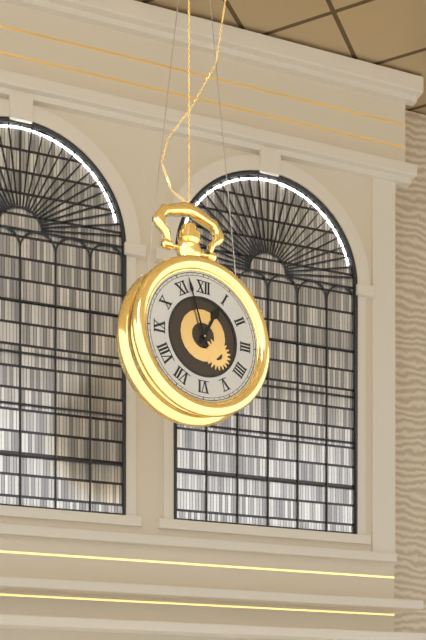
12:57
